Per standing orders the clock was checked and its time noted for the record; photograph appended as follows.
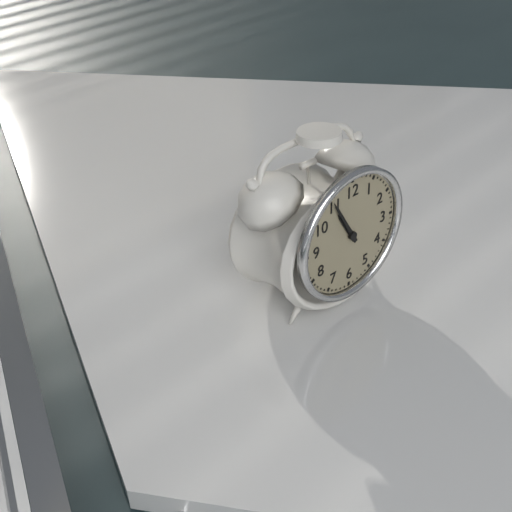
10:55
